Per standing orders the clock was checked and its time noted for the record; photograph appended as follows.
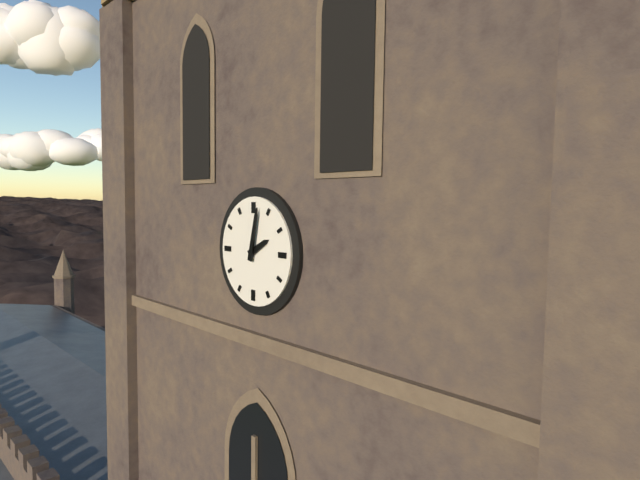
2:02
